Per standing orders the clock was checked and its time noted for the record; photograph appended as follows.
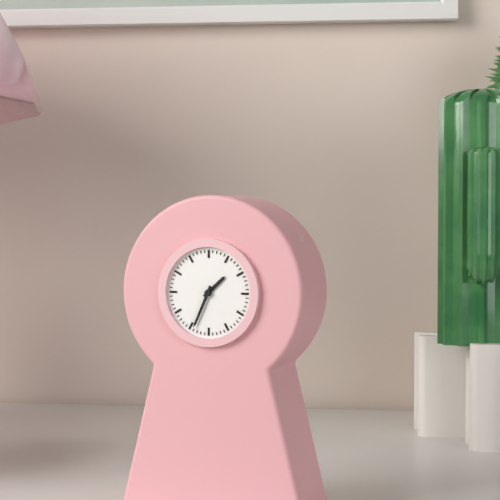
1:34
